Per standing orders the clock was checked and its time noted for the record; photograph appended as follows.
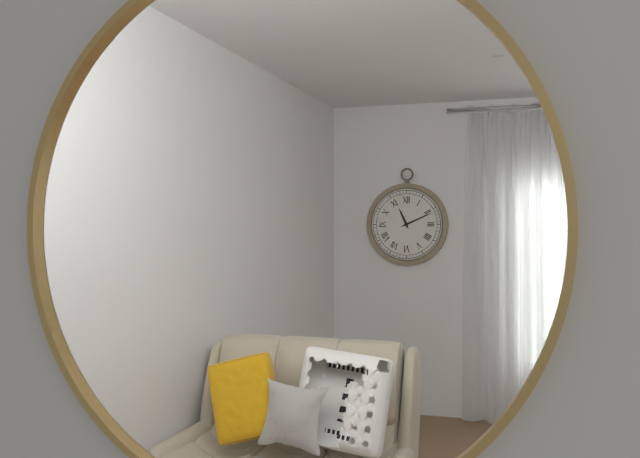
11:11
